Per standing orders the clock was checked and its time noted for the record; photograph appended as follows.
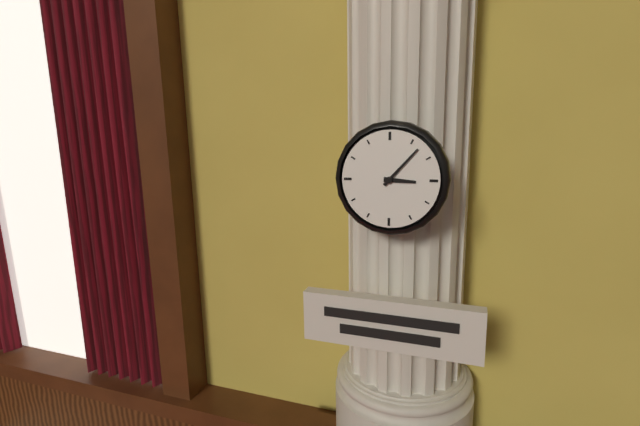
3:07
